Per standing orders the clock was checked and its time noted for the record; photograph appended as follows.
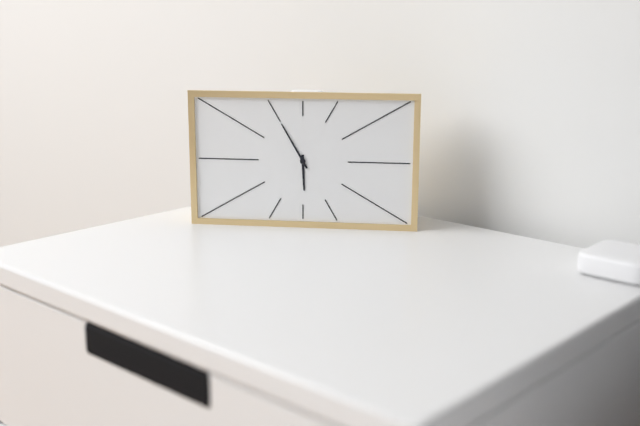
5:55
